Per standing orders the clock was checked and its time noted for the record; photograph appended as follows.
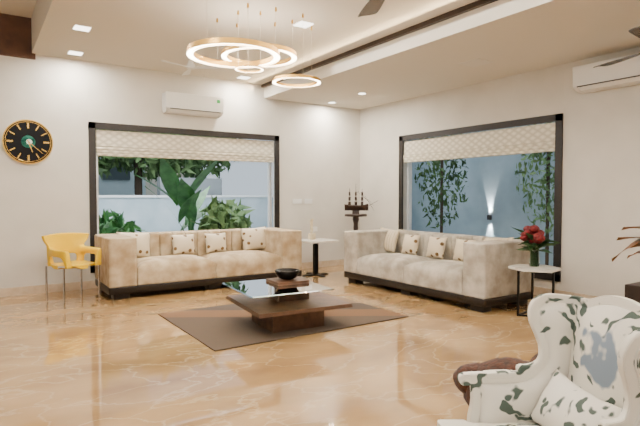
5:22
